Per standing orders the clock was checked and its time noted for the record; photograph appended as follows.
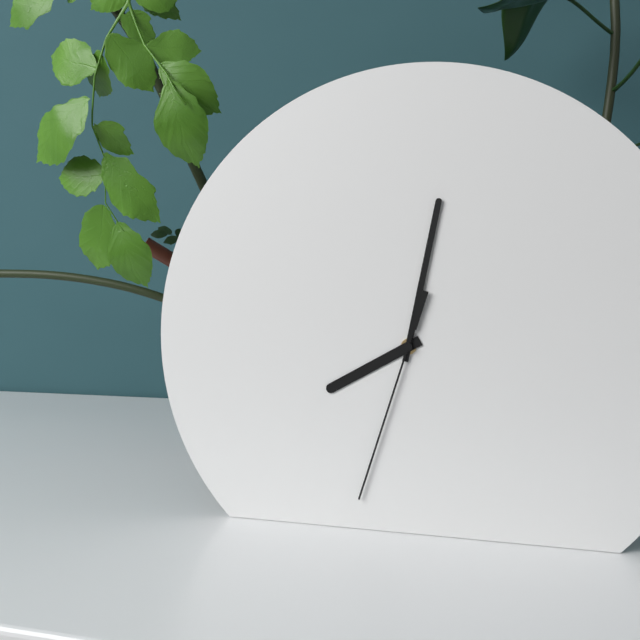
8:02:33
